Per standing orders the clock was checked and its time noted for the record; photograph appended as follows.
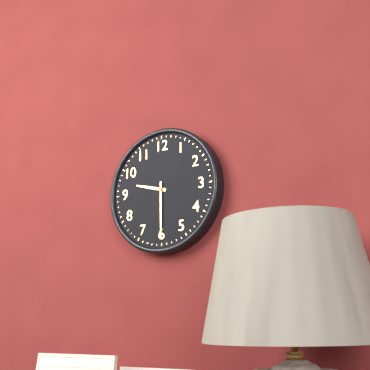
9:30
